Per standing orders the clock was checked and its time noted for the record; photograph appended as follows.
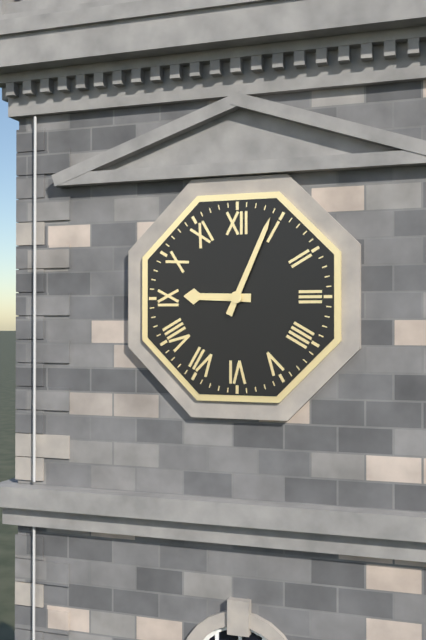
9:04
